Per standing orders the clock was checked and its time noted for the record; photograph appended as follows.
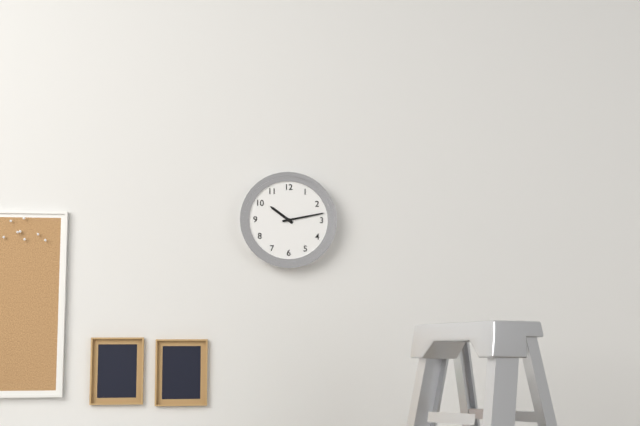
10:13
